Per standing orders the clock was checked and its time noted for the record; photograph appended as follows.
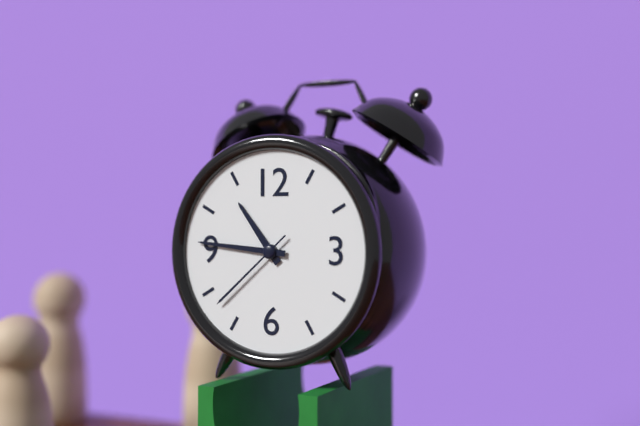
10:46:38
